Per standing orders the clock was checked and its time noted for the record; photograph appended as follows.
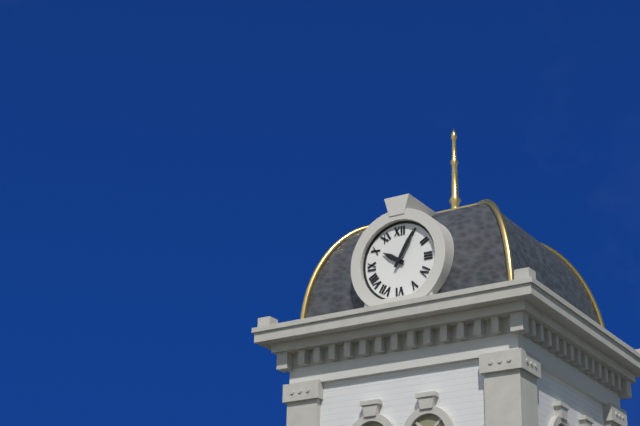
10:05
